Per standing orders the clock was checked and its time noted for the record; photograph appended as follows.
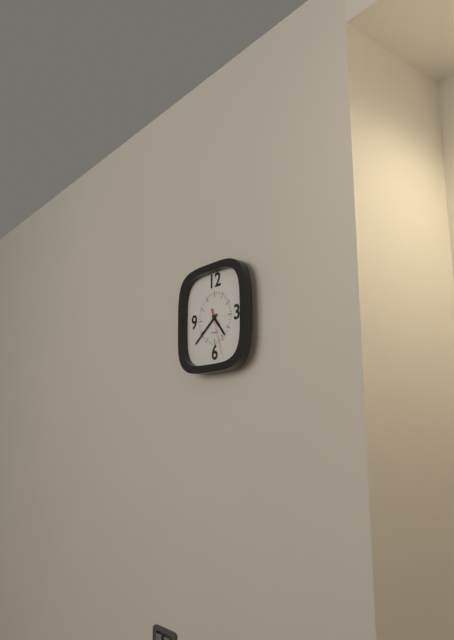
4:39
